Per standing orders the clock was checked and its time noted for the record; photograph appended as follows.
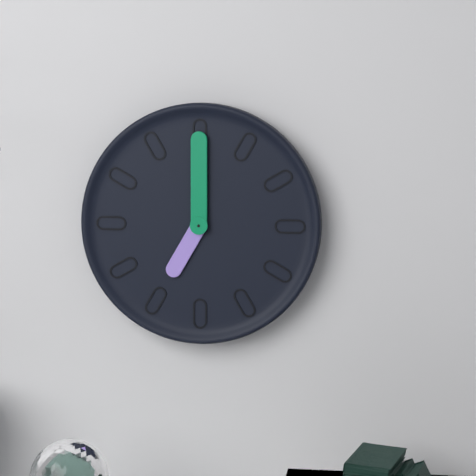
7:00
